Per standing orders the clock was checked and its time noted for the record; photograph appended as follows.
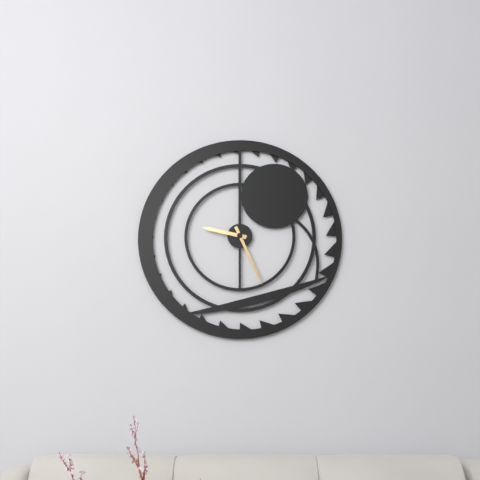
9:26
